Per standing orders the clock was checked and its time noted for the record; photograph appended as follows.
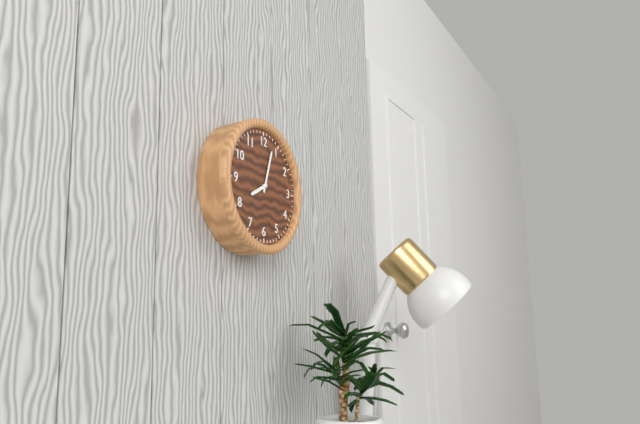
8:03
